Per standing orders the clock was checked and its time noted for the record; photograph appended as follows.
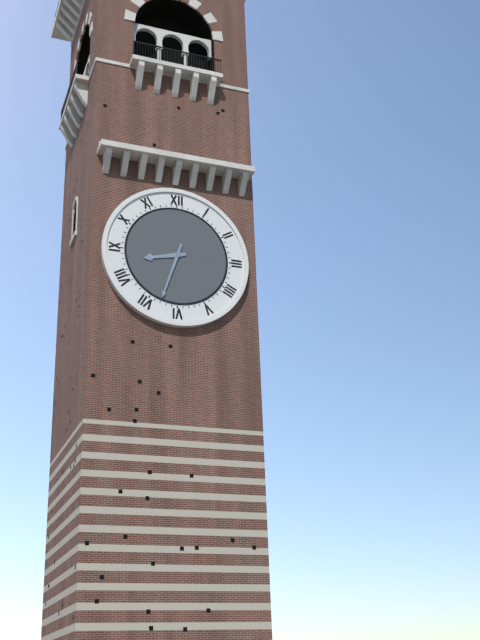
8:33
